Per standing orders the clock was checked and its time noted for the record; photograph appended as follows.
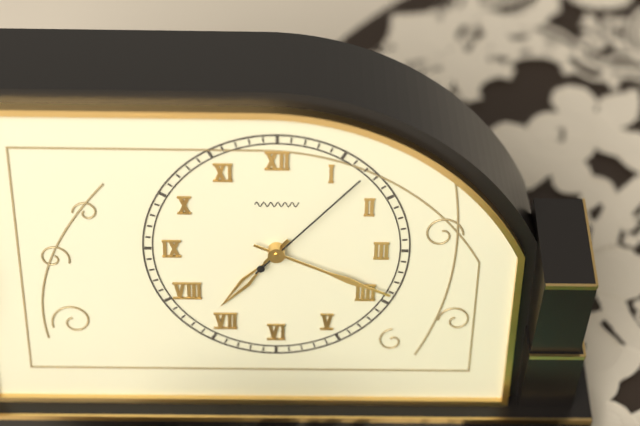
7:19:07
